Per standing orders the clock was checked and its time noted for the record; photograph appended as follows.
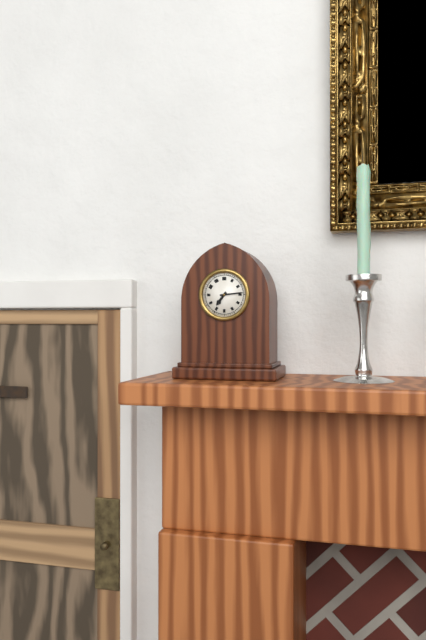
7:14
